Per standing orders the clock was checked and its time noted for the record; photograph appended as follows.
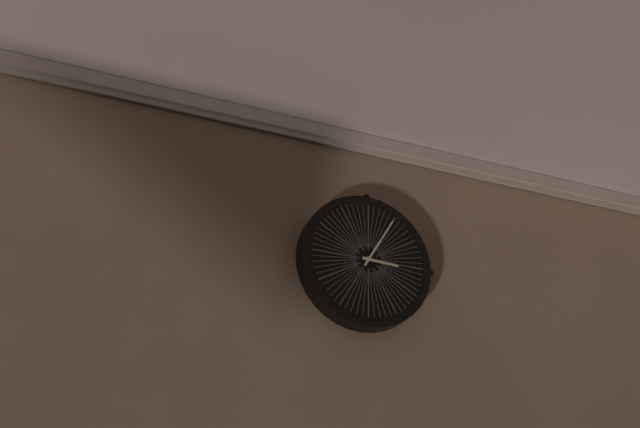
3:05
